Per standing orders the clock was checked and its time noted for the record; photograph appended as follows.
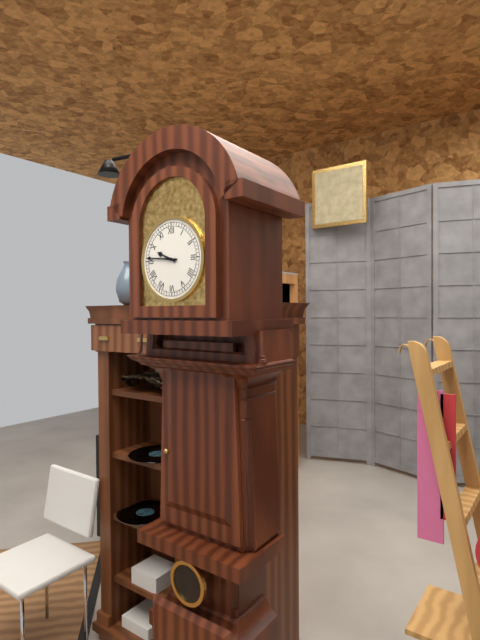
9:46
